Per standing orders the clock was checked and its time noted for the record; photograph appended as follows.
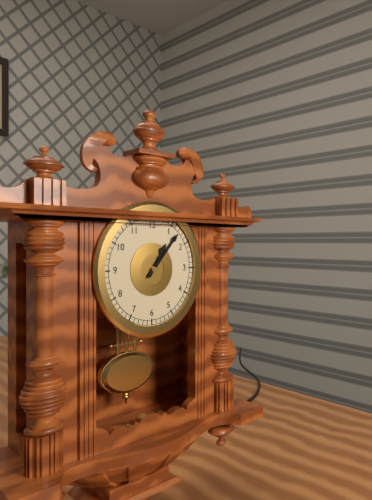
1:07
